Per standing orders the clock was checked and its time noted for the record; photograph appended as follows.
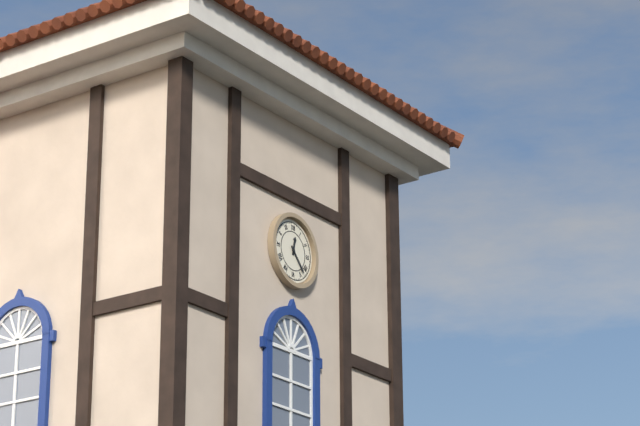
12:23
